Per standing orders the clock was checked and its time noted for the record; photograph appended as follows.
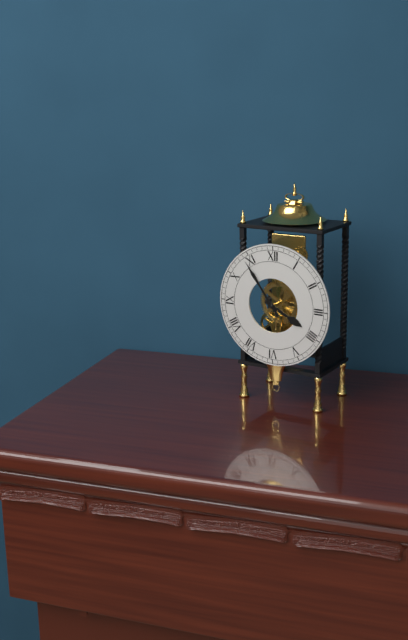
3:54
